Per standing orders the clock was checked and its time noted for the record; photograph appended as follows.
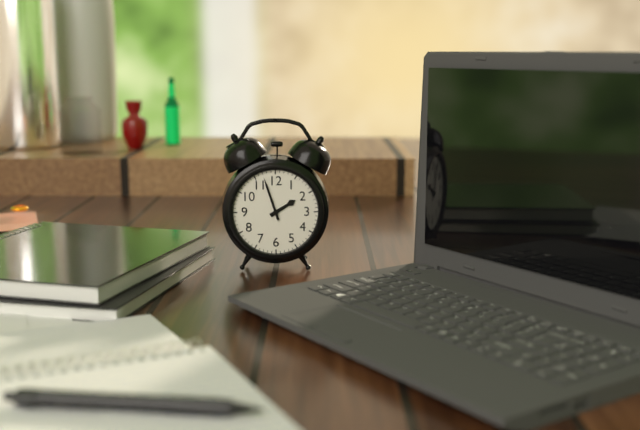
1:57
